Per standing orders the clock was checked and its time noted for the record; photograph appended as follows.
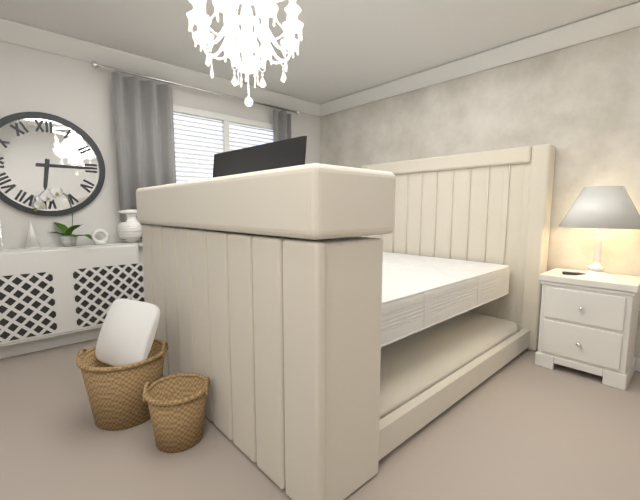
6:15
